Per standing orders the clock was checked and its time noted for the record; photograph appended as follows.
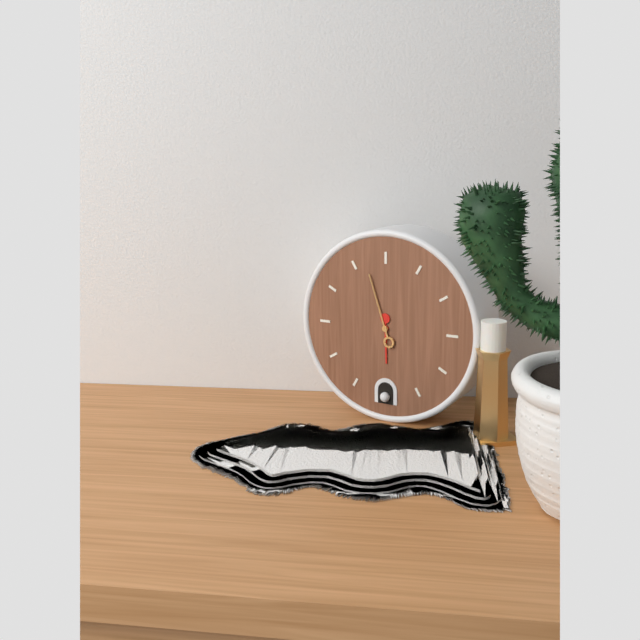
5:57
